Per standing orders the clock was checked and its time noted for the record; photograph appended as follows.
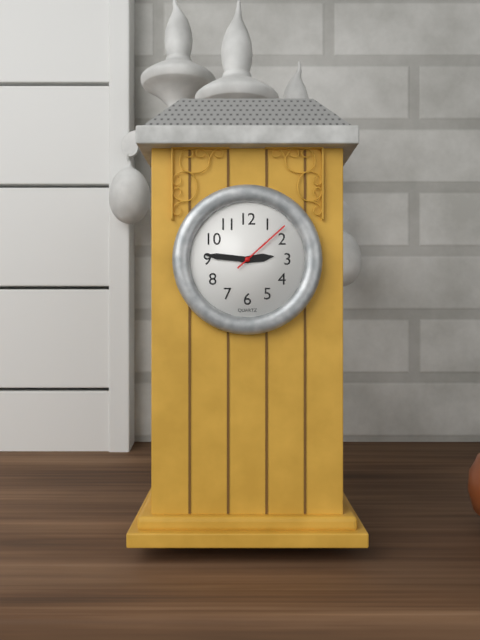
2:46:08
